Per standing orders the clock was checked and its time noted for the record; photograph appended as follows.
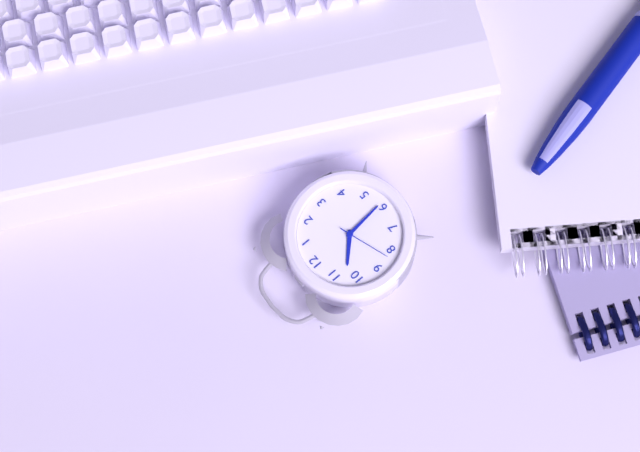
10:29:42
